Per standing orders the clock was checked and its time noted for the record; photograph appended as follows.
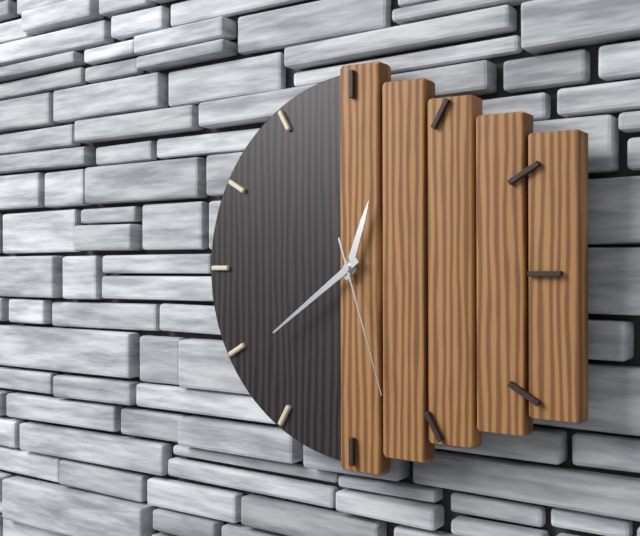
12:39:27
